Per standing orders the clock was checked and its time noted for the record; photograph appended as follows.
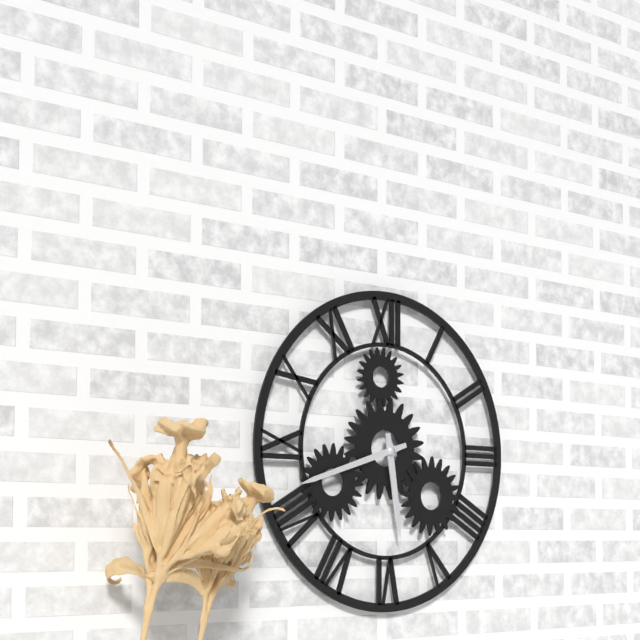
5:42
